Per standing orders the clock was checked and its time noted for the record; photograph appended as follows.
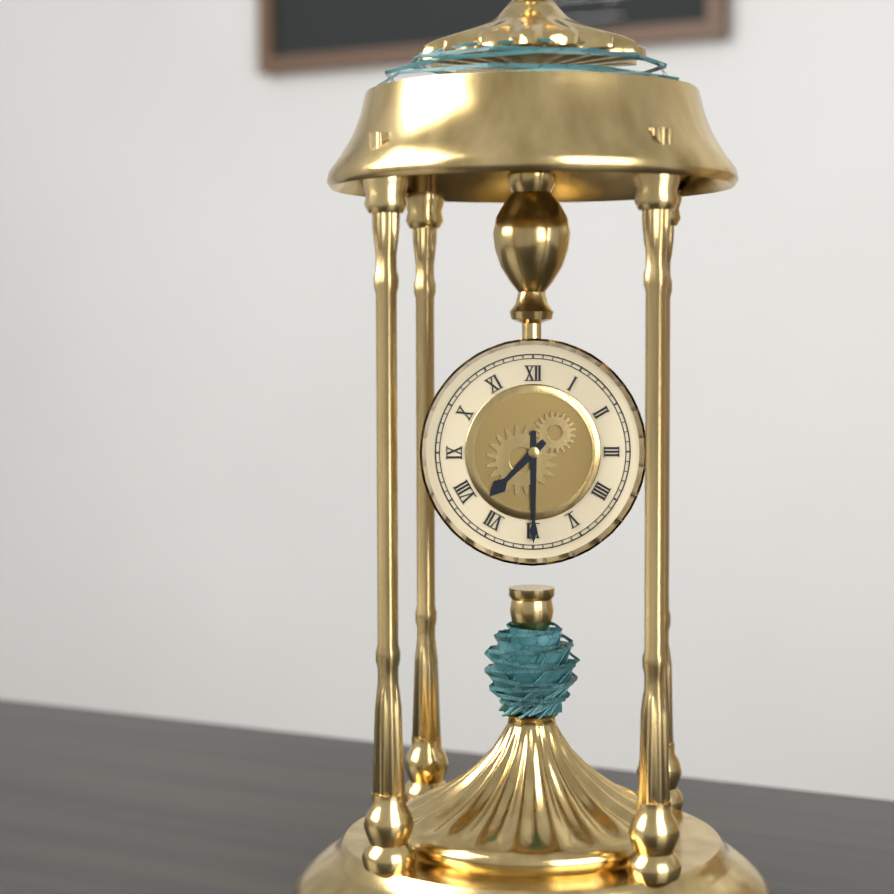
7:30
